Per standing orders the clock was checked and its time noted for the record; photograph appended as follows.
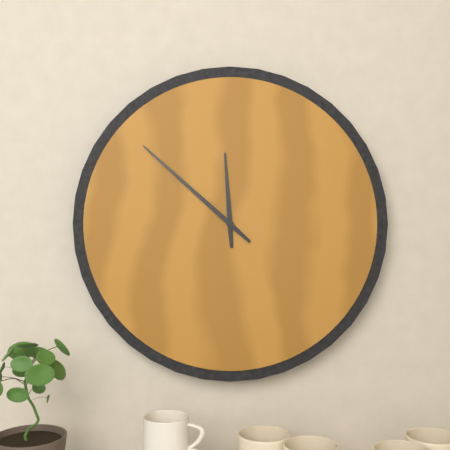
11:52
